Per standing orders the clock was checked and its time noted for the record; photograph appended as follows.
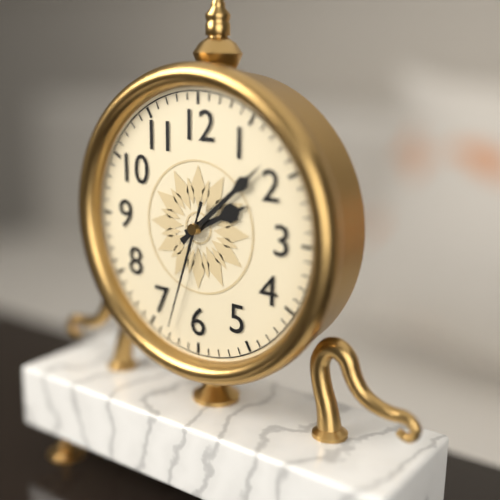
2:08:33
